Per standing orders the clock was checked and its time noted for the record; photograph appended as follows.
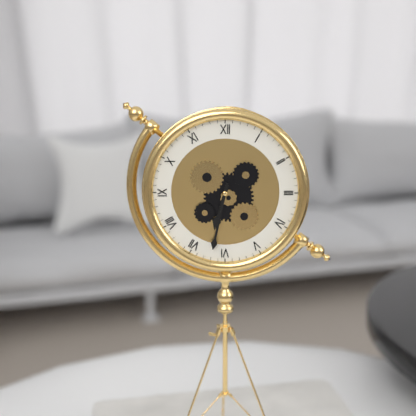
6:32
